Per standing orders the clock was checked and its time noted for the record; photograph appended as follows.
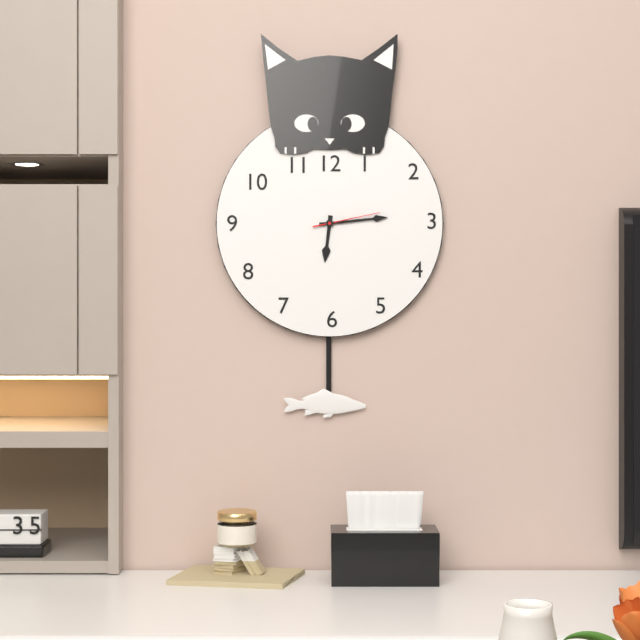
6:14:13
